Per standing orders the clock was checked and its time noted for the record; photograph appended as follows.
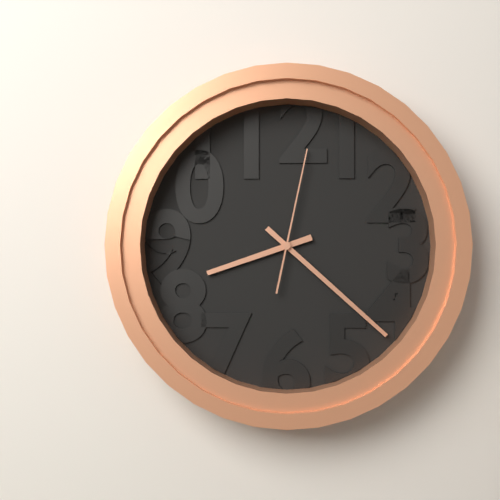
8:22:02
